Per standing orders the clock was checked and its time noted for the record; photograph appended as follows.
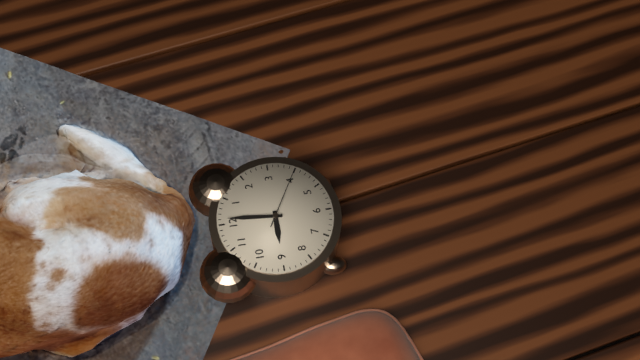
9:01:20
